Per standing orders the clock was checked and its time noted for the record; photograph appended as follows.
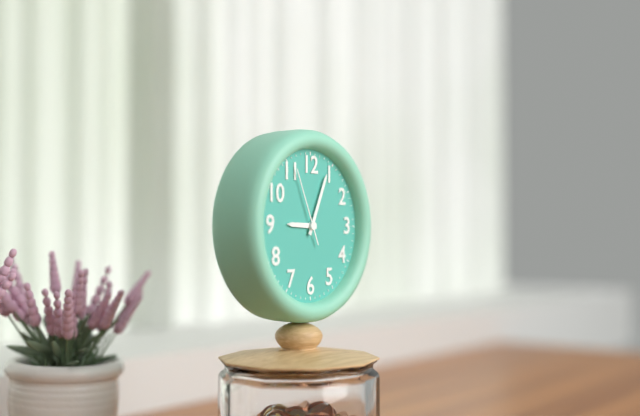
9:04:56
